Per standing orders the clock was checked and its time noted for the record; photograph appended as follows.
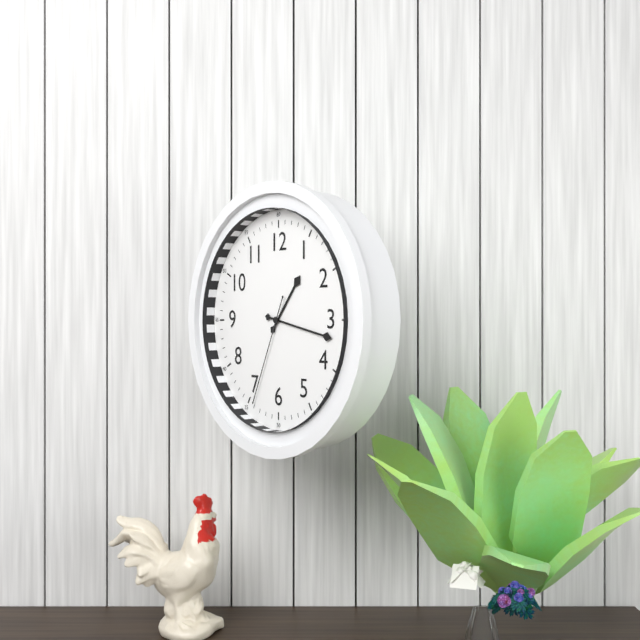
1:17:34
